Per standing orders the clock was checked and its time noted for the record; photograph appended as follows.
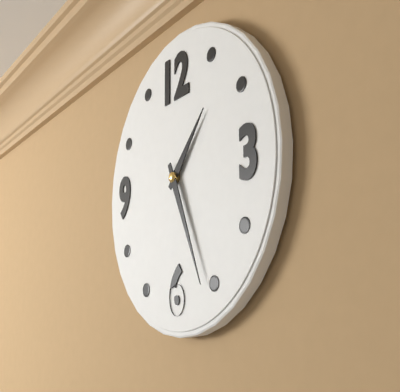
1:26
